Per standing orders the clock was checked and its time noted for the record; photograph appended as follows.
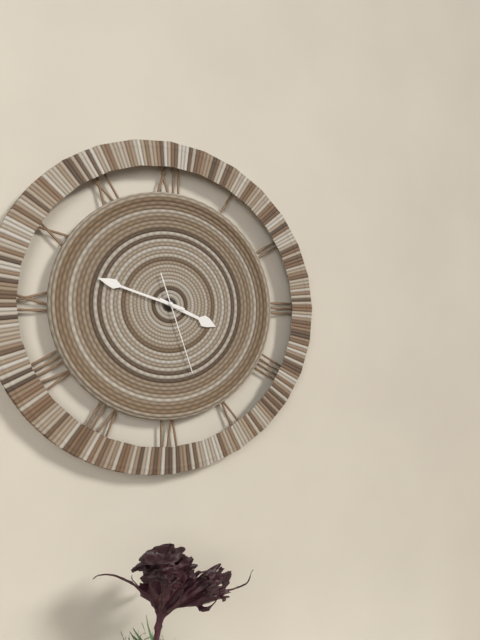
3:48:27
